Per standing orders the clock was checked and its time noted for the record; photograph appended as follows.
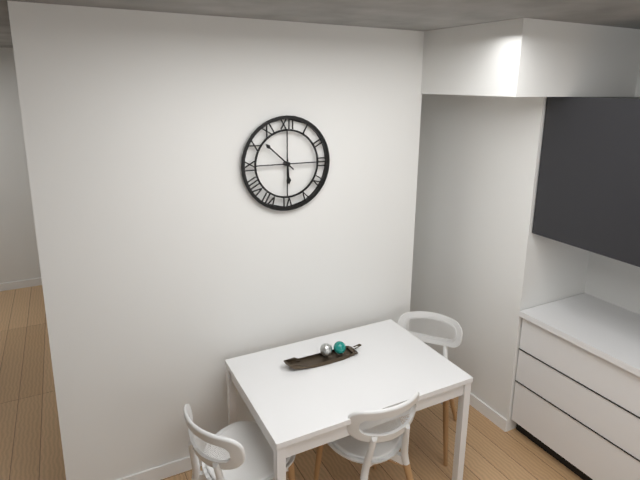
5:52
